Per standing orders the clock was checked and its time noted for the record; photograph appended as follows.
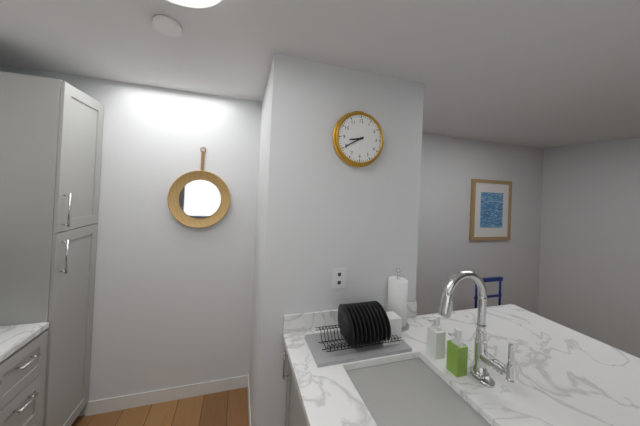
8:40
